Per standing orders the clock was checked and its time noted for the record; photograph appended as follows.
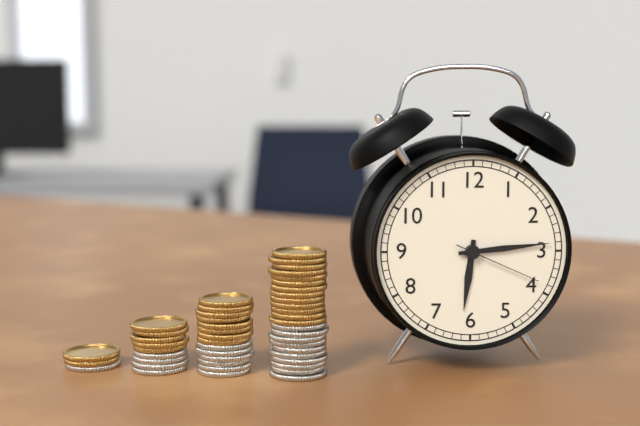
6:14:19
